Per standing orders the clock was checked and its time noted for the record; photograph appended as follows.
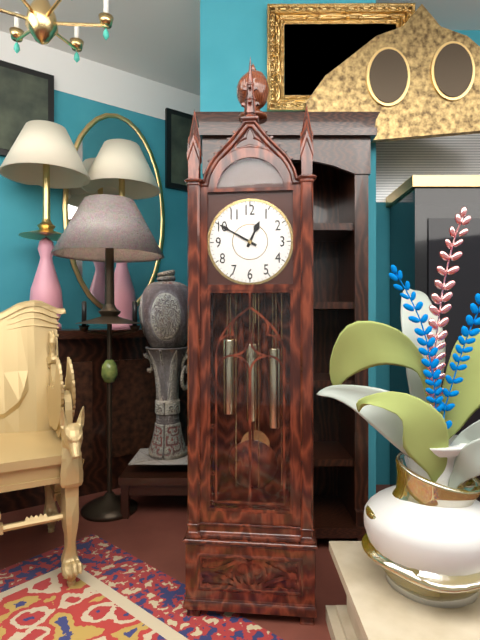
12:50
